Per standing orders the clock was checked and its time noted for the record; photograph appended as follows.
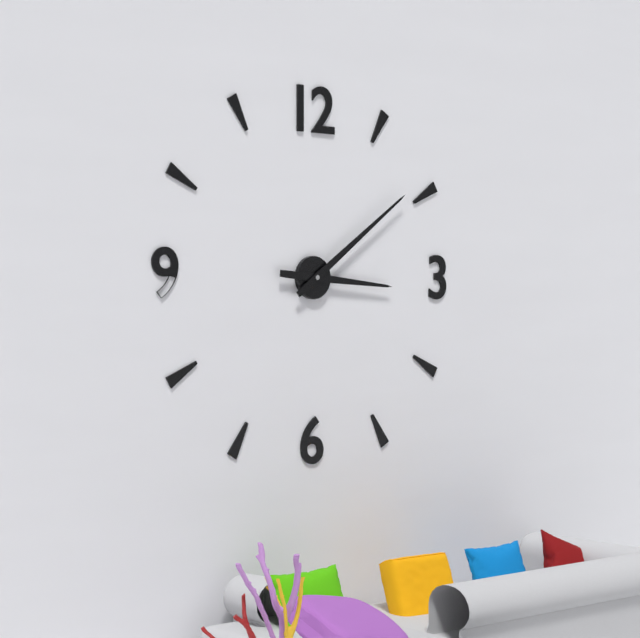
3:09
